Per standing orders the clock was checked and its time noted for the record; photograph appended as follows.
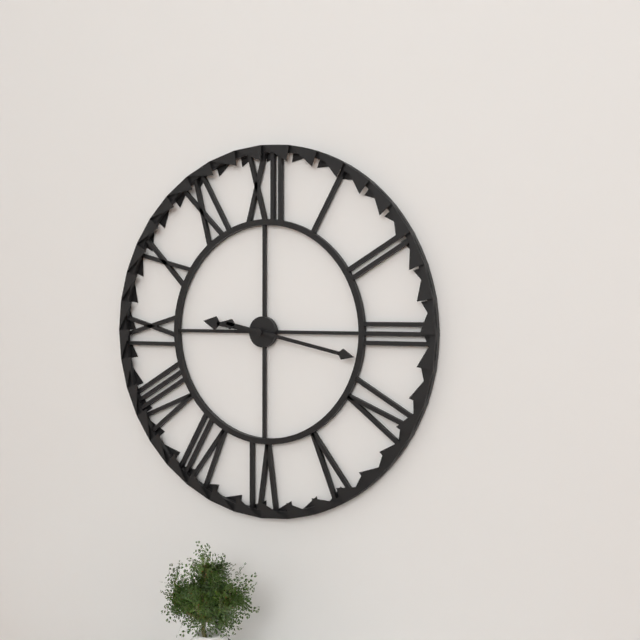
9:17
